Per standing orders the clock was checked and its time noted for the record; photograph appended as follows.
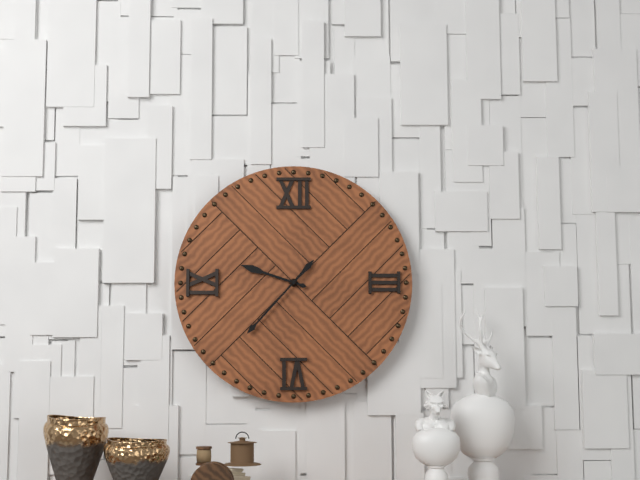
9:37
